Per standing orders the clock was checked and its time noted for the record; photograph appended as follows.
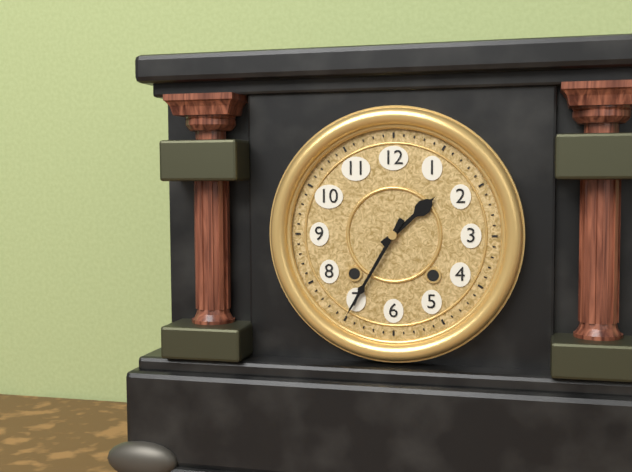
1:35
